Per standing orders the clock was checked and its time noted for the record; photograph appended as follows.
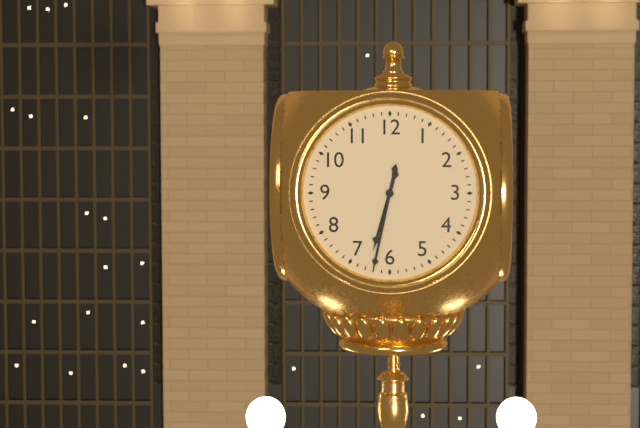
6:32
